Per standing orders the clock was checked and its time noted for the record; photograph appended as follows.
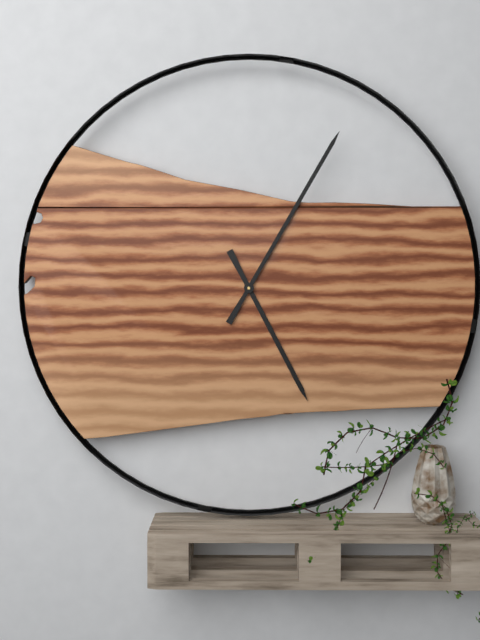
5:05
